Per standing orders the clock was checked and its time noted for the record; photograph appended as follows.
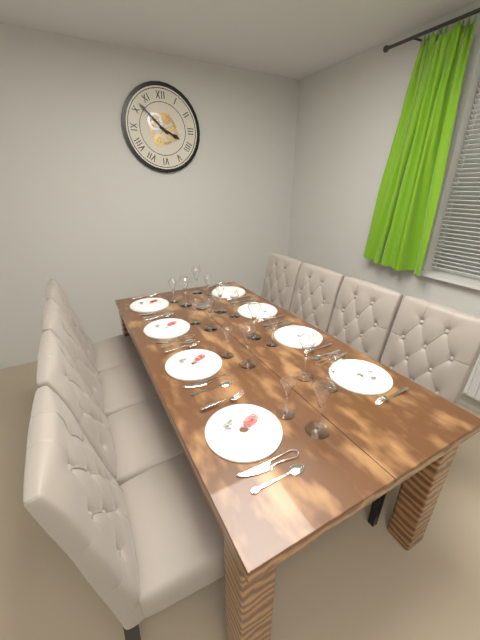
3:52
